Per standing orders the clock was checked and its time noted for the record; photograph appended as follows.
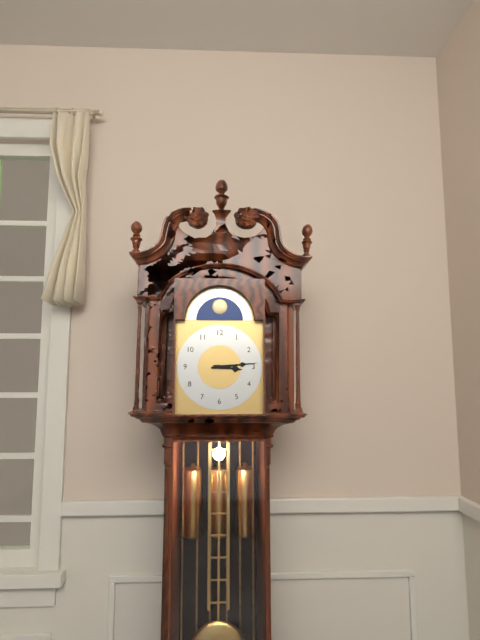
3:14
